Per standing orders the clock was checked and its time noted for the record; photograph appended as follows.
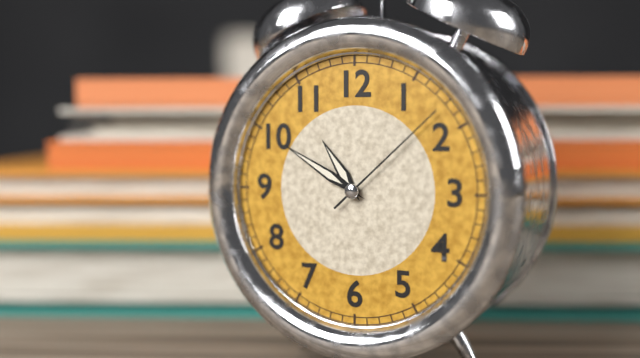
10:50:08
